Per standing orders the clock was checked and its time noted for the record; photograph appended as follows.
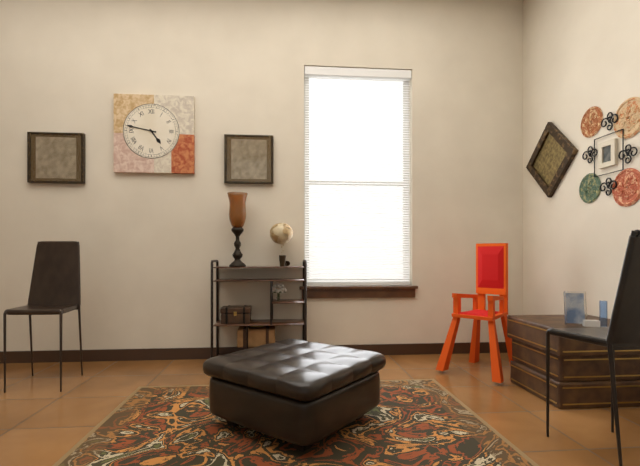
4:47
